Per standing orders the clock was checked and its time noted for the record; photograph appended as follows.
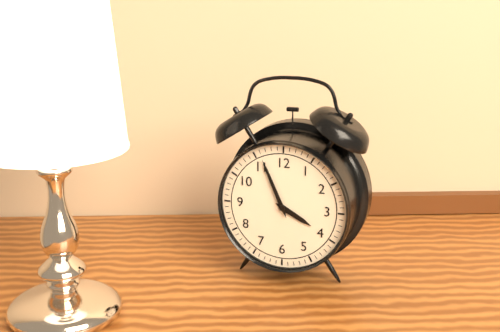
3:56
